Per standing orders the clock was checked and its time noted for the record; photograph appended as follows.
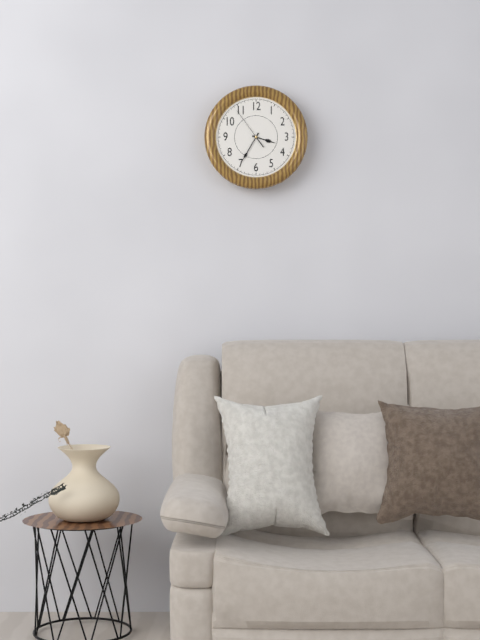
3:35
